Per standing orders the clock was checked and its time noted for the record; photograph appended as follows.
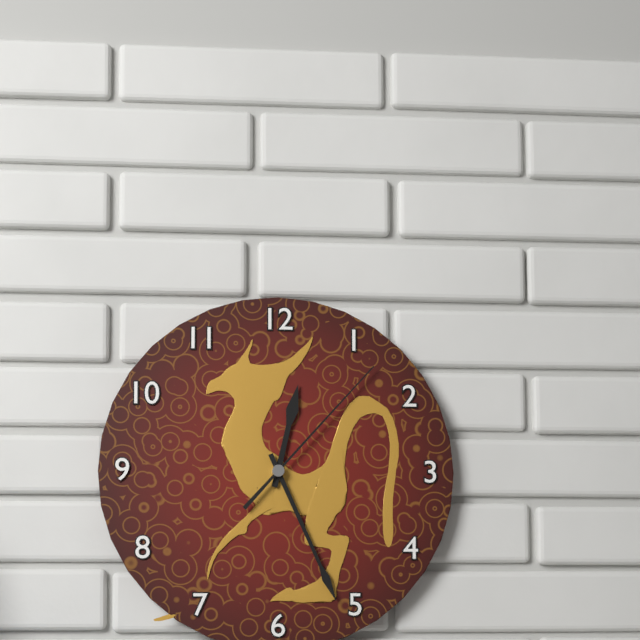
12:26:07
